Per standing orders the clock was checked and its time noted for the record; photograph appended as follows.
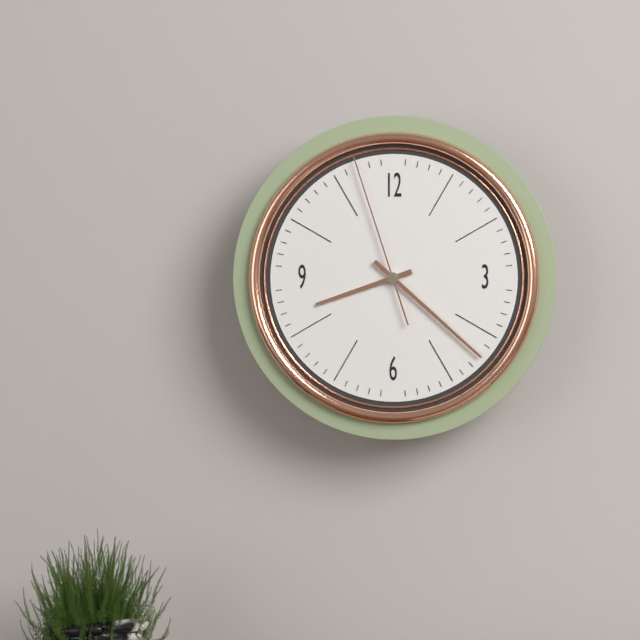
8:22:57
